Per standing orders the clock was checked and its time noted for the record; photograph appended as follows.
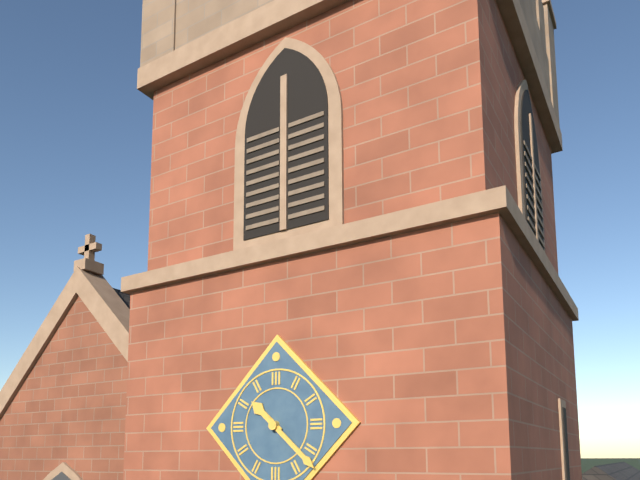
10:22
